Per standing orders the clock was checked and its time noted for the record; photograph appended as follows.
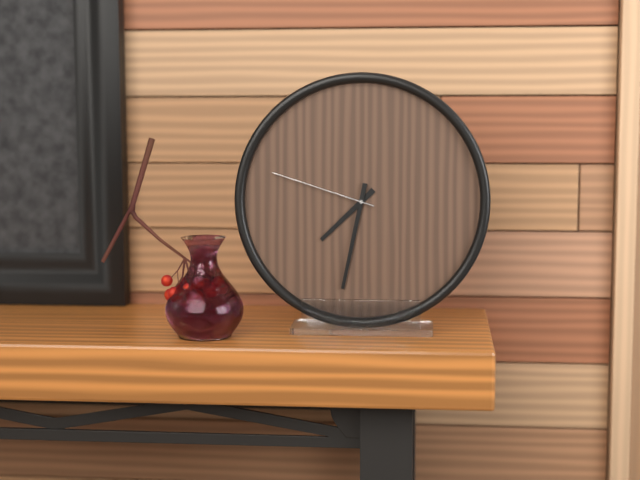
7:32:48
